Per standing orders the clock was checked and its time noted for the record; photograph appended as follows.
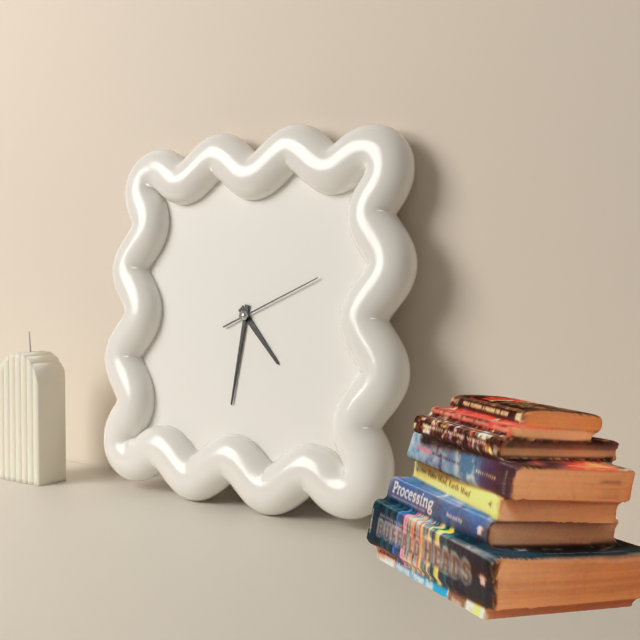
4:31:11
